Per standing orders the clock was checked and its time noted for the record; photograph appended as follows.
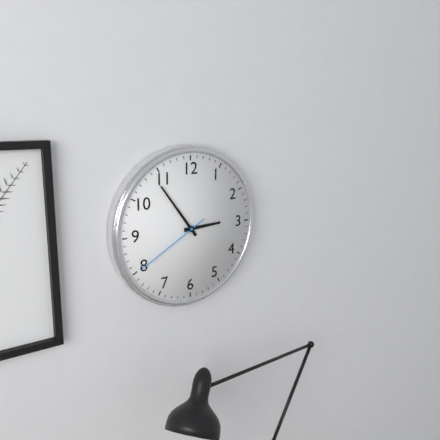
2:54:40
